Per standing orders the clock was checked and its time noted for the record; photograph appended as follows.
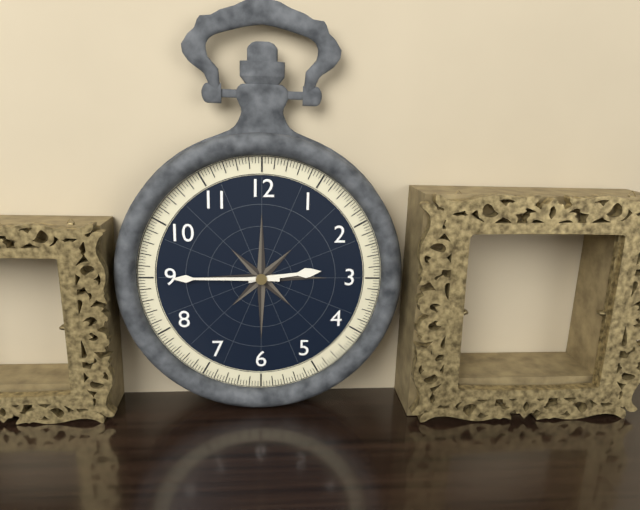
2:45
